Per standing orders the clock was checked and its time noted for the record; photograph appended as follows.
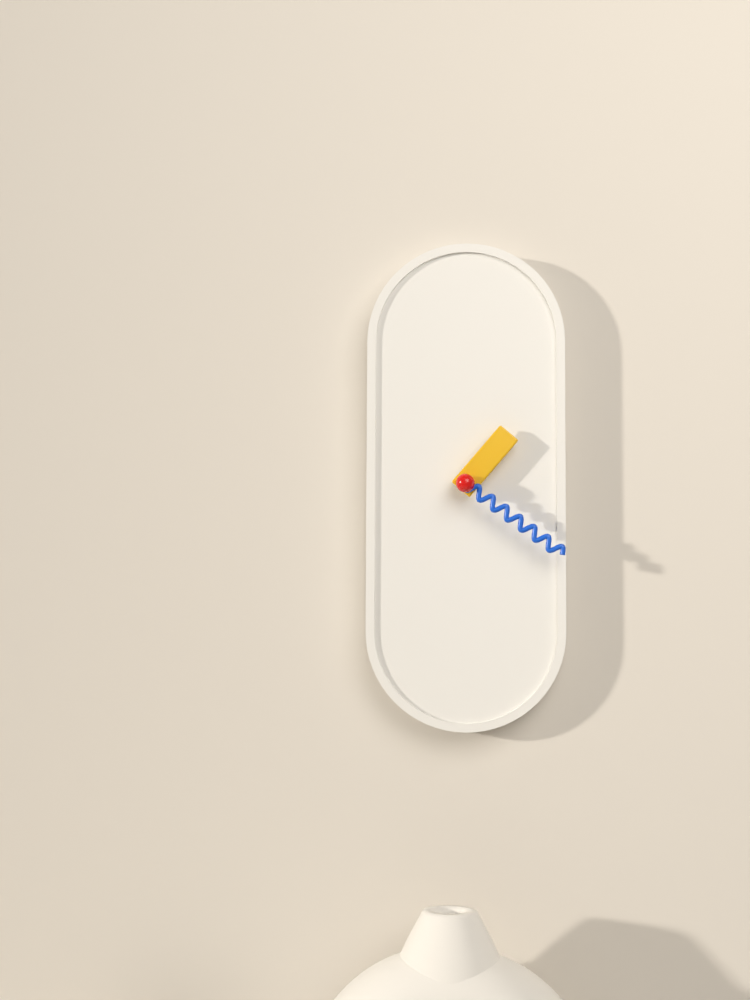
1:21
